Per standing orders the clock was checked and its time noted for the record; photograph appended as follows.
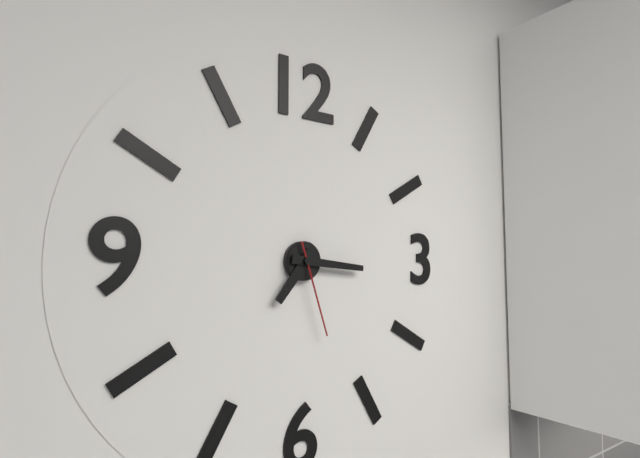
7:16:27
